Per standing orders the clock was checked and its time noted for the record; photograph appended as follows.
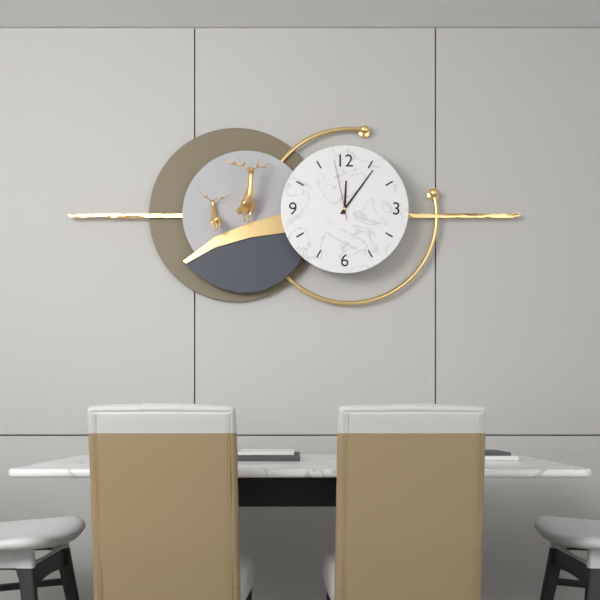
12:06:58
